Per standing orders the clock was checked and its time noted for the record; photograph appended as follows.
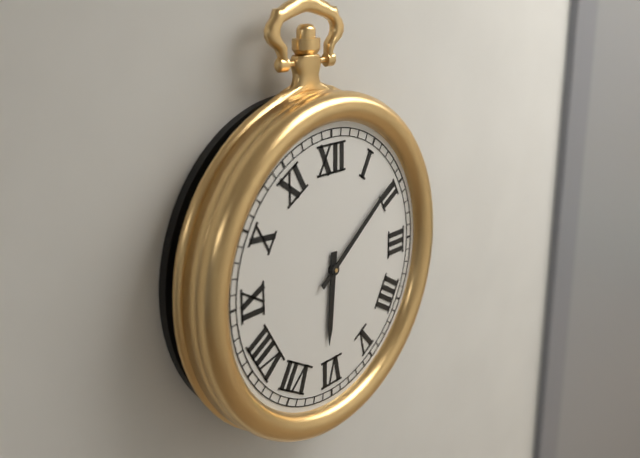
6:09
